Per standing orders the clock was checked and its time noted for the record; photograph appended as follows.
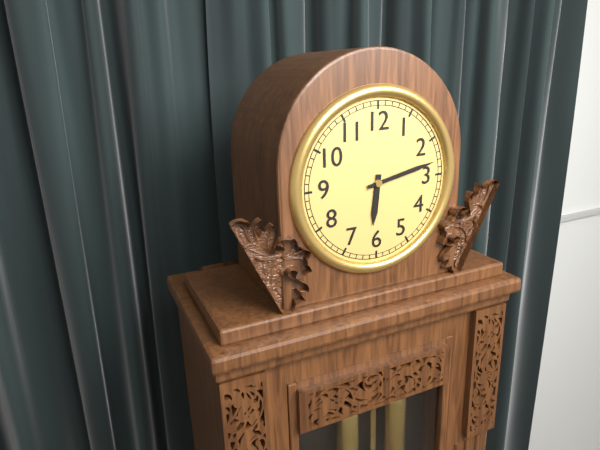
6:13
